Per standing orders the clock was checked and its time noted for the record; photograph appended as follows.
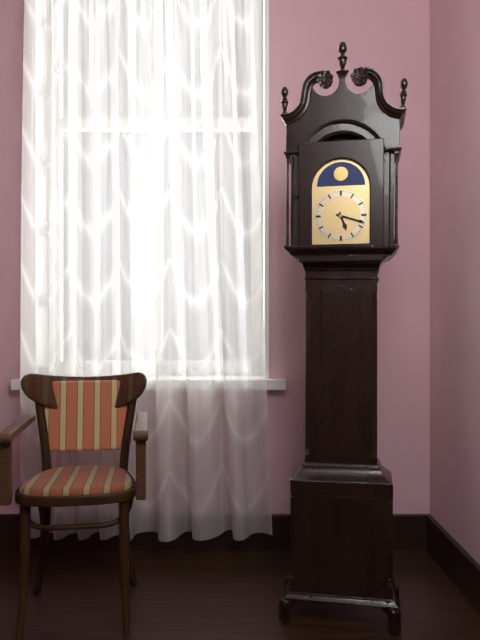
5:18
